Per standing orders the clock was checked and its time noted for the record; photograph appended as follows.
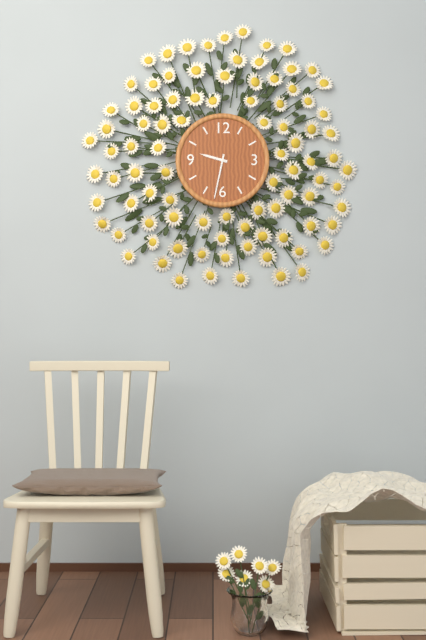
9:32
